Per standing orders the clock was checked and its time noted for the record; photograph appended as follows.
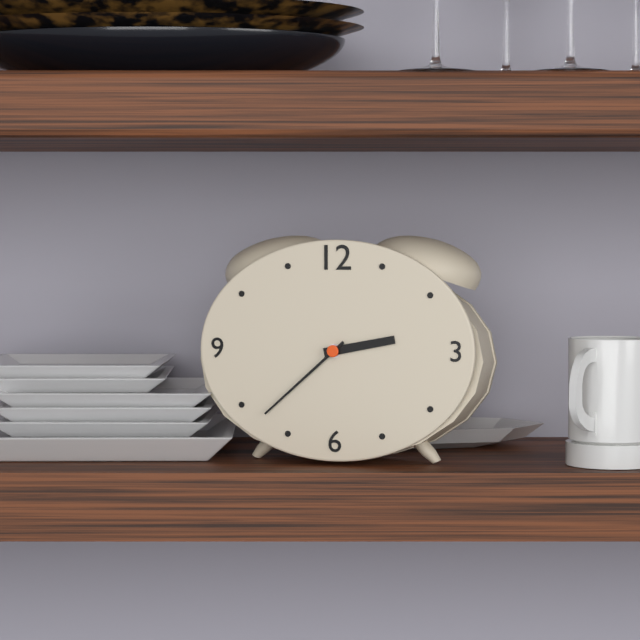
2:38
